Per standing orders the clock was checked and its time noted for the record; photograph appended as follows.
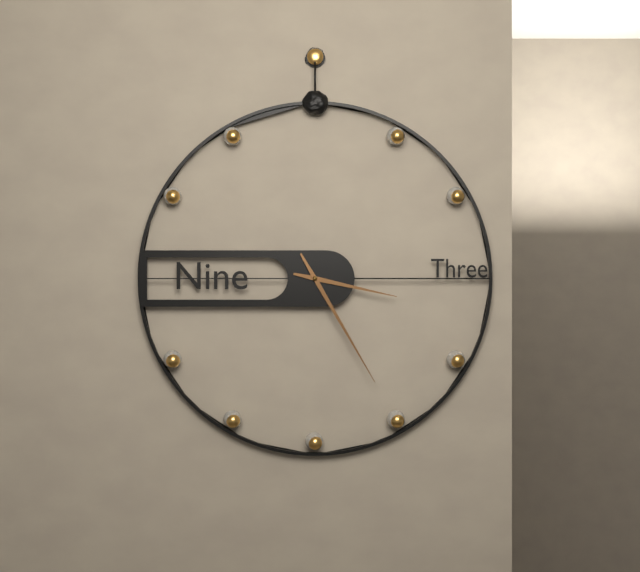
3:25
